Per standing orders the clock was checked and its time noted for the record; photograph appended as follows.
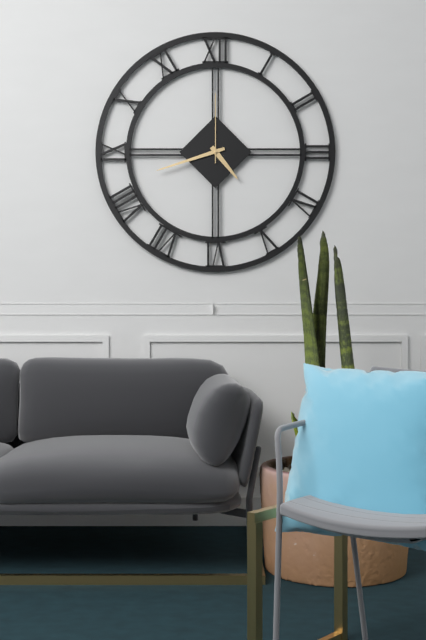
4:42:00
